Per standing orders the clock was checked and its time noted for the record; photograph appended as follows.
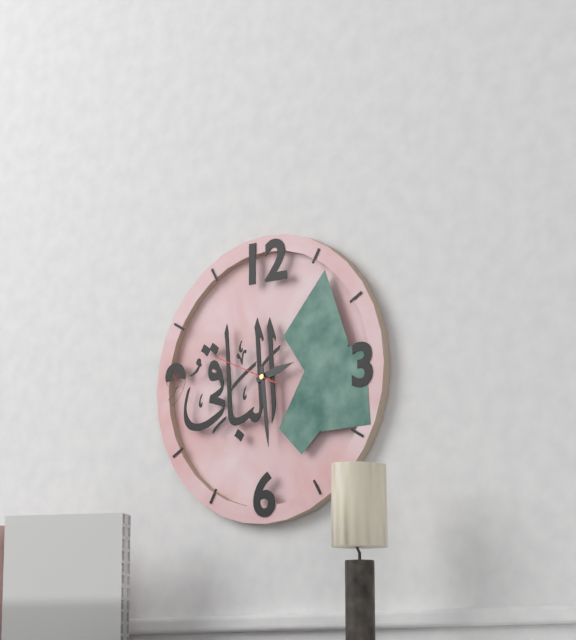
2:29:49
